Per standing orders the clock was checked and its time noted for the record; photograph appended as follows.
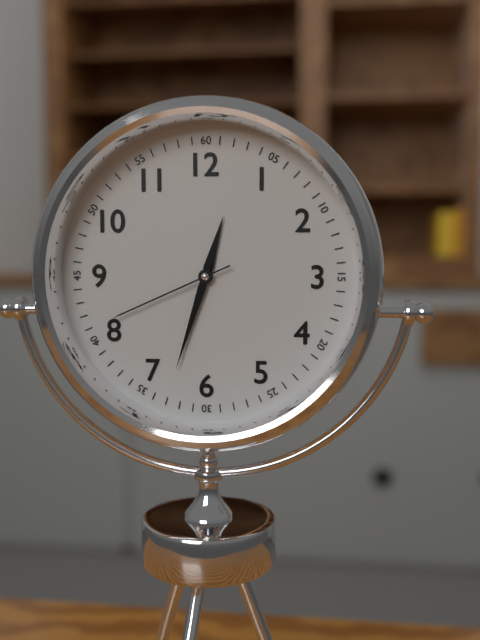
12:33:41
